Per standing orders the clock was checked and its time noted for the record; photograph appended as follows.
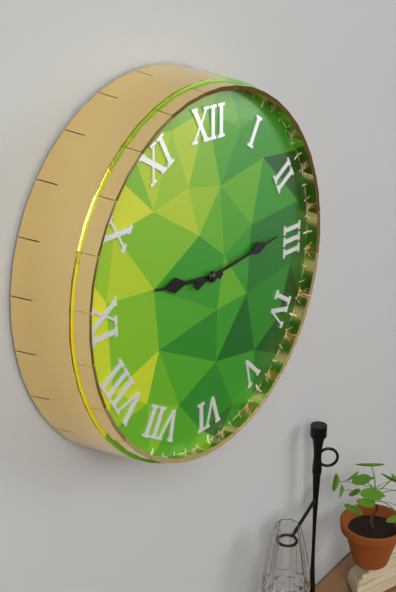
9:14
